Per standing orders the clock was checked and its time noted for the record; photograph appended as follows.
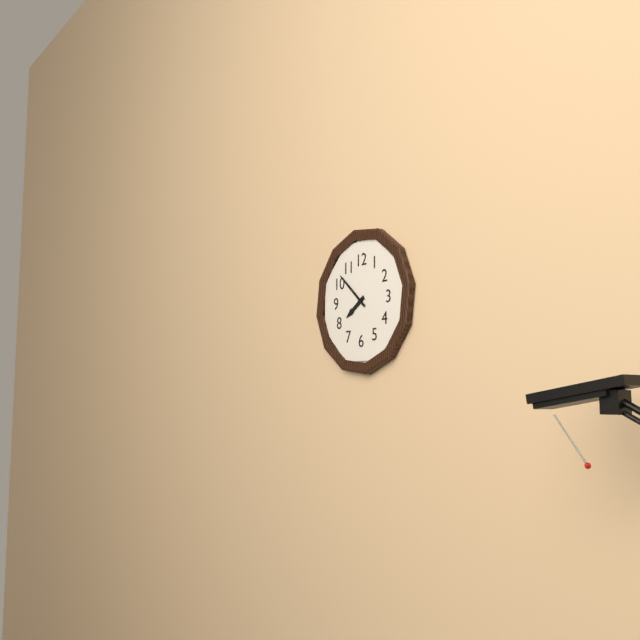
7:52
